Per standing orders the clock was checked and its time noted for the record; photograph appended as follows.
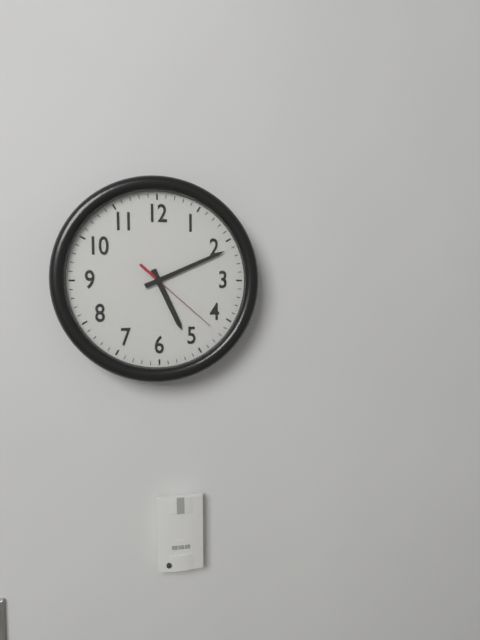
5:11:22
